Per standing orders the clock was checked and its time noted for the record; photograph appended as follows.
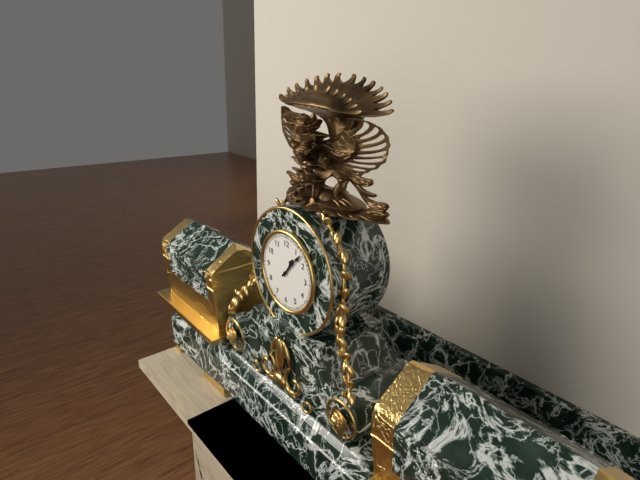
1:07
